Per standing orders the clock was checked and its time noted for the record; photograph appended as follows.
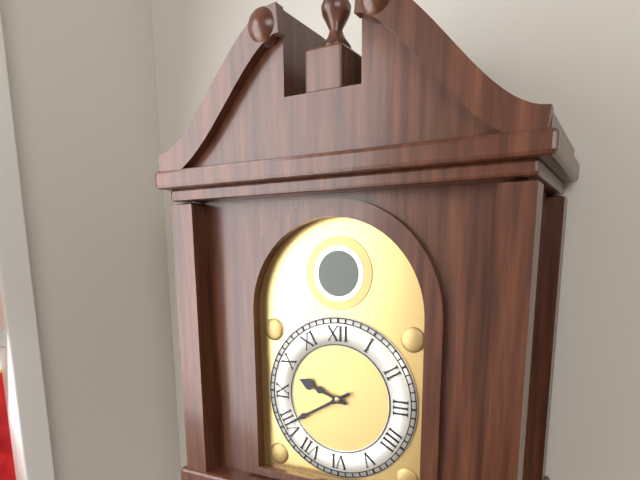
9:40
